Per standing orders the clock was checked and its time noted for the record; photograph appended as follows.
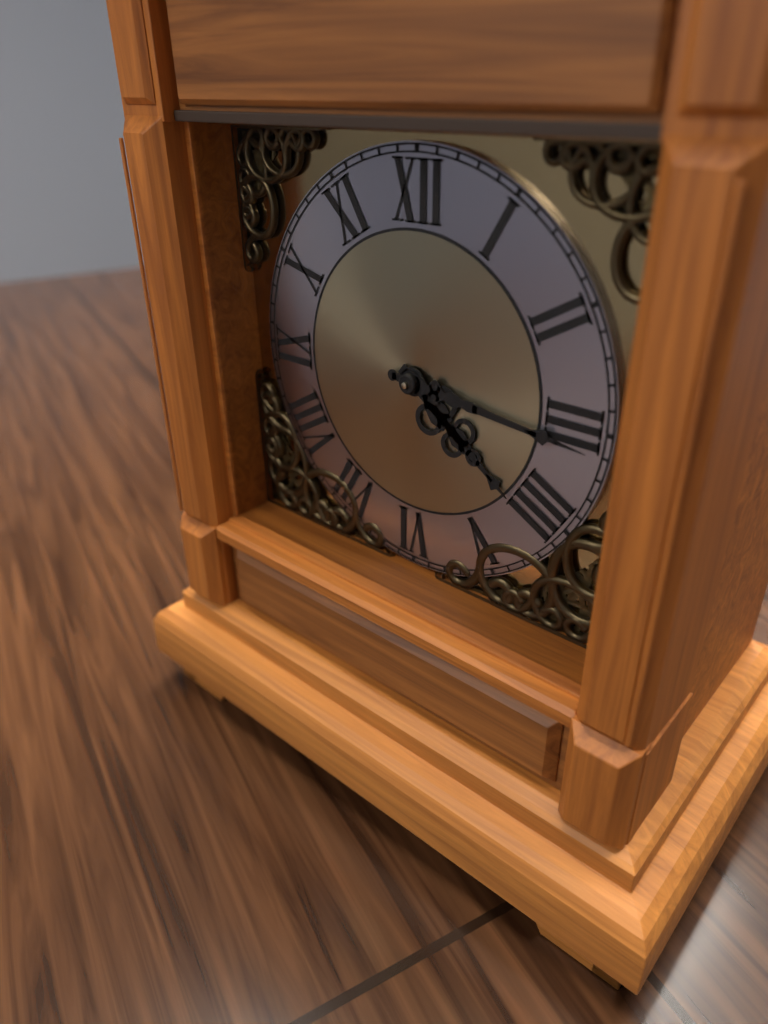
4:16
